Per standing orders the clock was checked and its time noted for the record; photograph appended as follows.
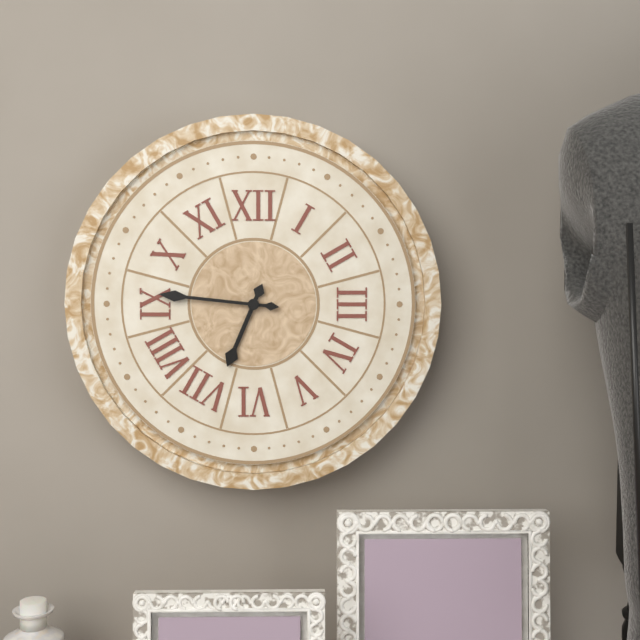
6:46
